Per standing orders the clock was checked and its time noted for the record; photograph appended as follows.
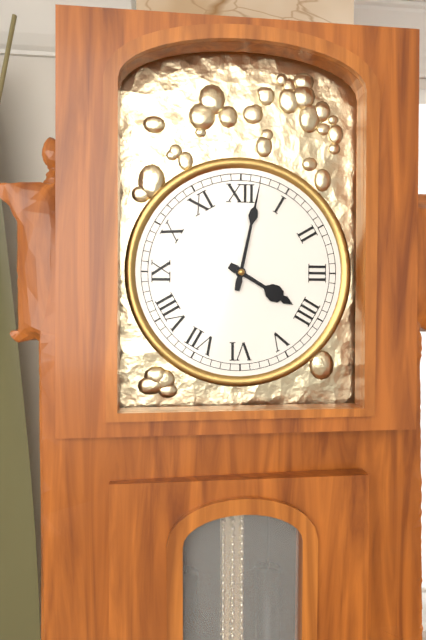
4:02
